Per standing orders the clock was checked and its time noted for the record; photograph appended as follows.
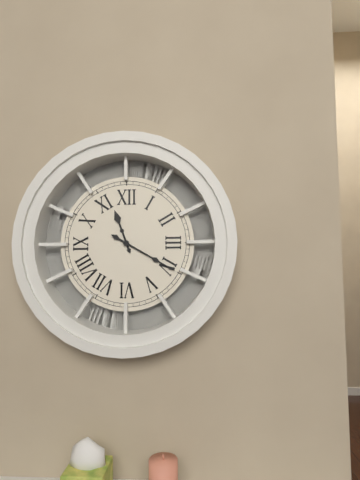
11:20
